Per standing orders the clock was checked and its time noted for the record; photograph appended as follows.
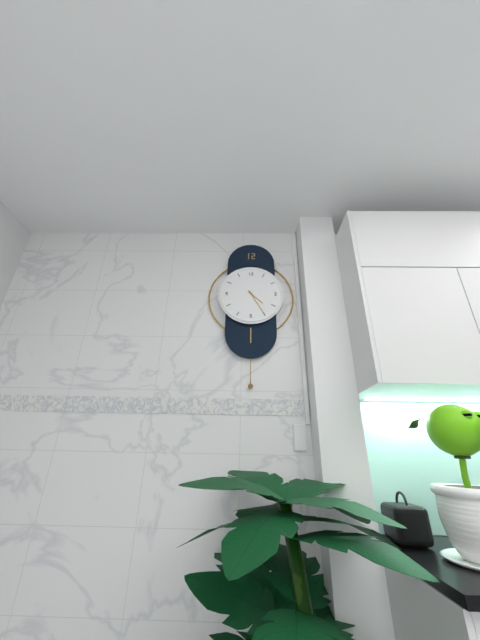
4:25
